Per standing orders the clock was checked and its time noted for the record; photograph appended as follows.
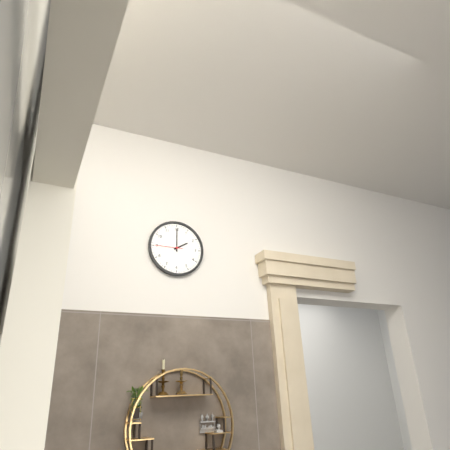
2:00
